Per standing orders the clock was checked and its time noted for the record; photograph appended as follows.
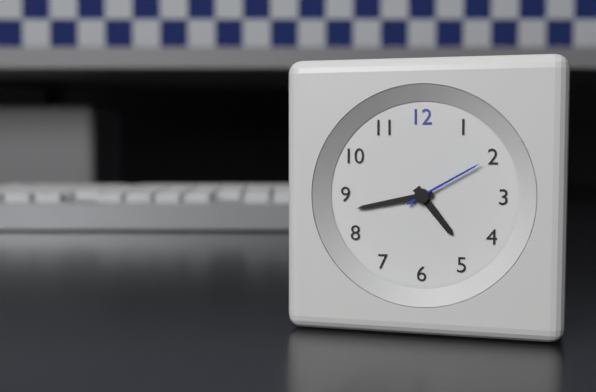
4:43:10
